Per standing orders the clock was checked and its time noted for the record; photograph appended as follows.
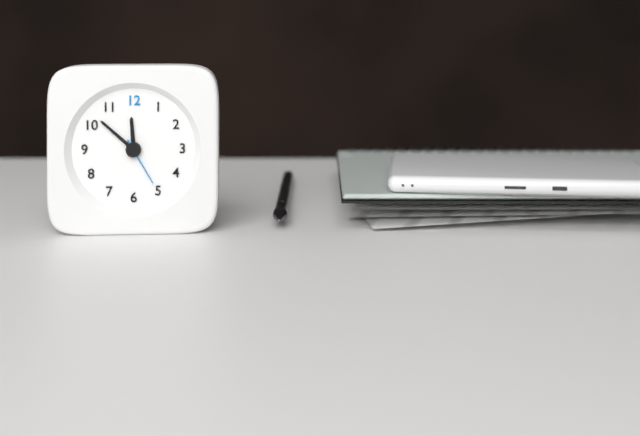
11:52:25
